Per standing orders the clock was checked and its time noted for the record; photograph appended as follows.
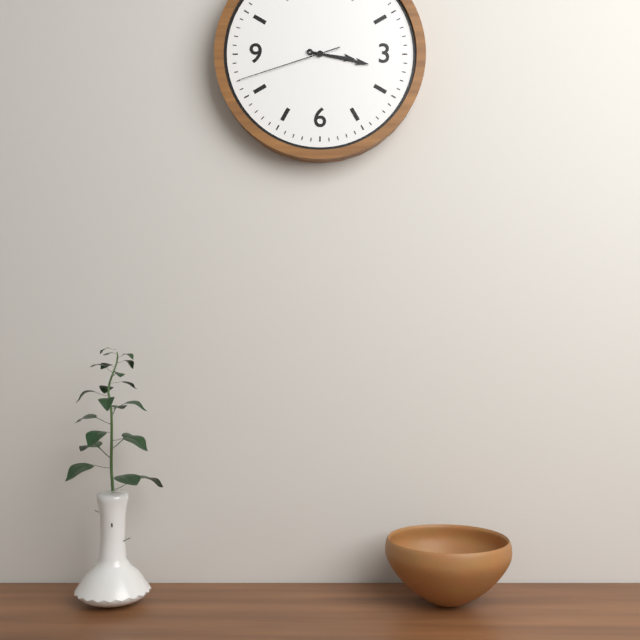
3:17:42
